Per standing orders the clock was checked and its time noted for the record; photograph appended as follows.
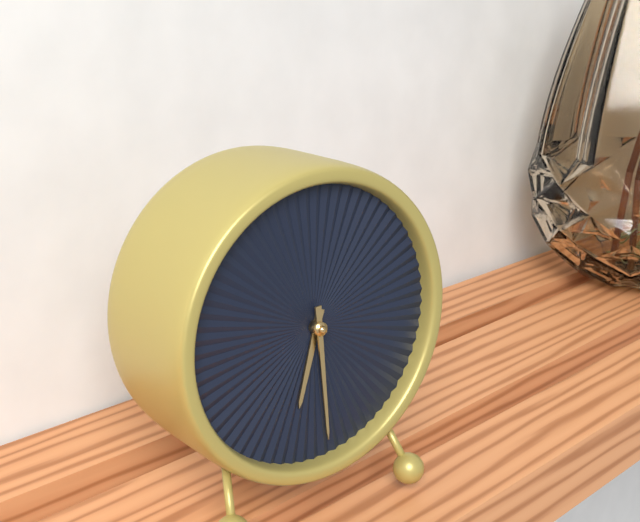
6:29
